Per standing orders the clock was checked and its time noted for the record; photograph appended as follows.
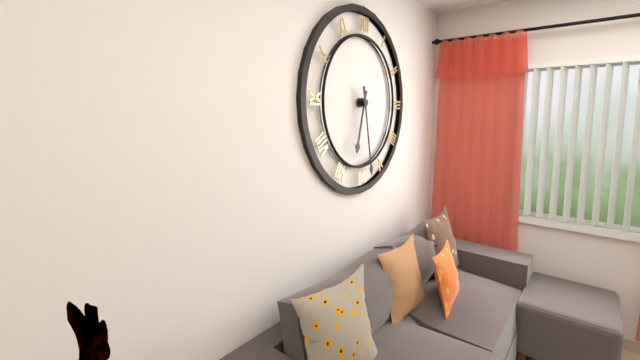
6:28
